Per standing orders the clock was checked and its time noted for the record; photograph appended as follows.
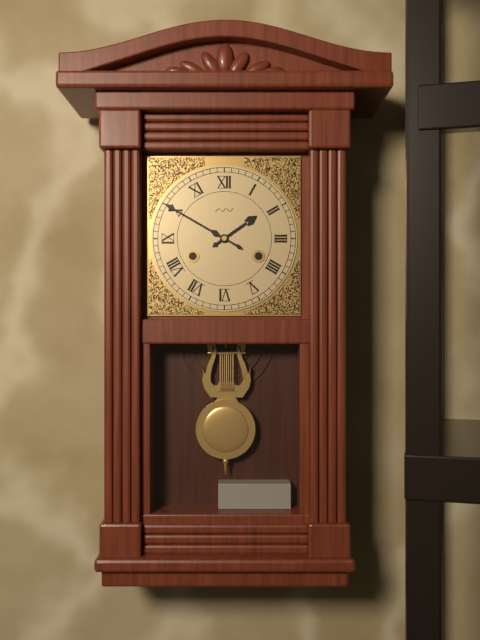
1:50
